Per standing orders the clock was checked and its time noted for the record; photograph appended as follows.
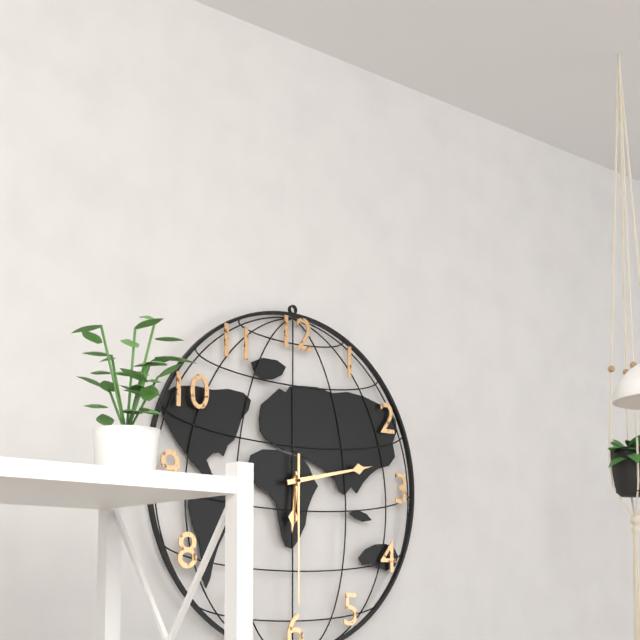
6:13:30
